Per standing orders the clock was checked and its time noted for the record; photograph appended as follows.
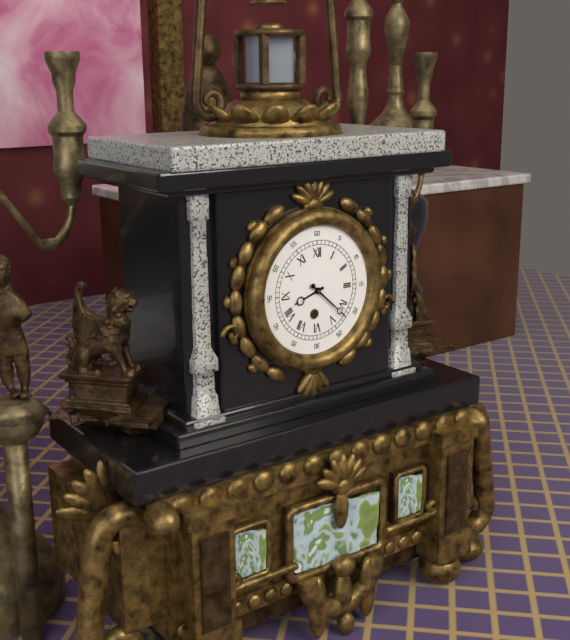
8:22
